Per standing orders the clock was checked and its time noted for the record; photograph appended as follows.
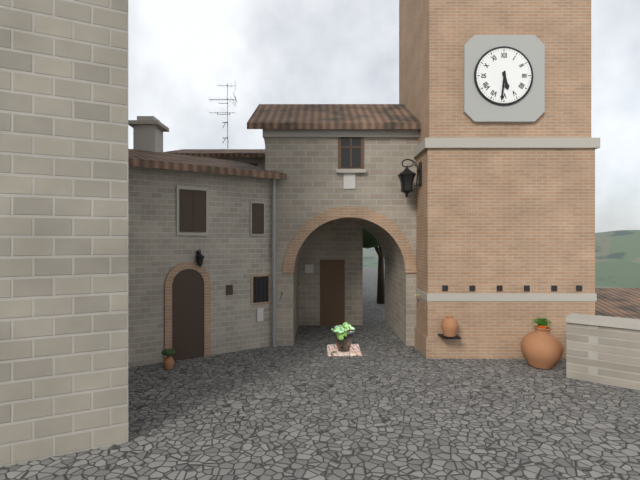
5:31
